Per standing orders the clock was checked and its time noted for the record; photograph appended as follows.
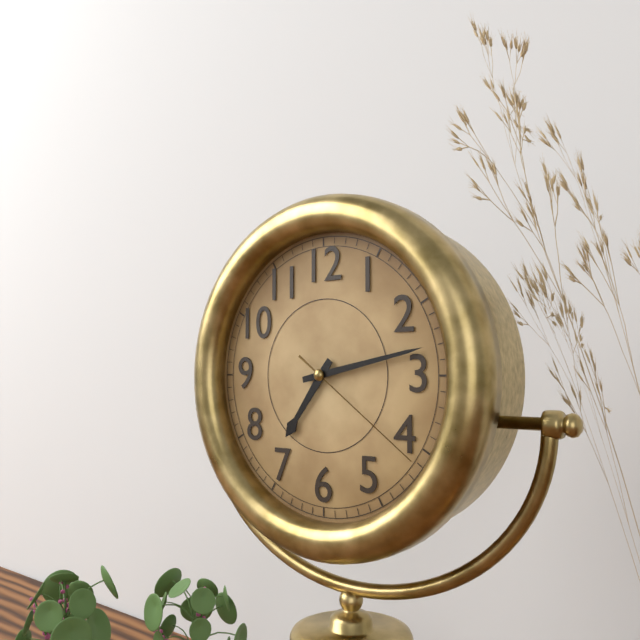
7:13:21
